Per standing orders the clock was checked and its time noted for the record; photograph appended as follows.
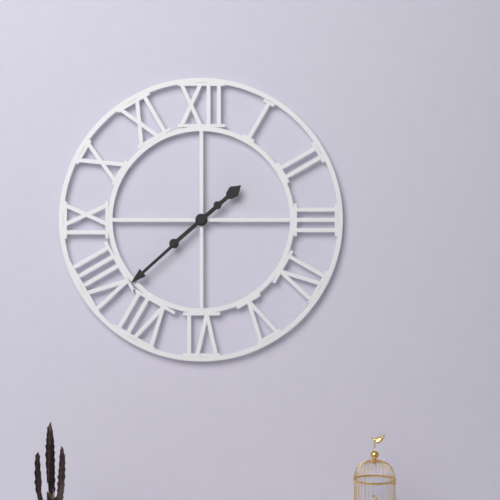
1:38
